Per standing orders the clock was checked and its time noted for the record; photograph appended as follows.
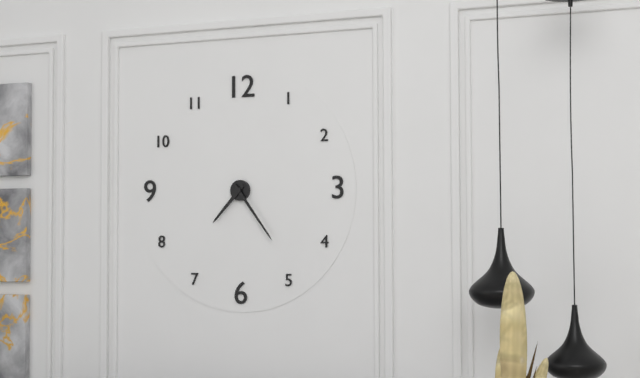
7:24
